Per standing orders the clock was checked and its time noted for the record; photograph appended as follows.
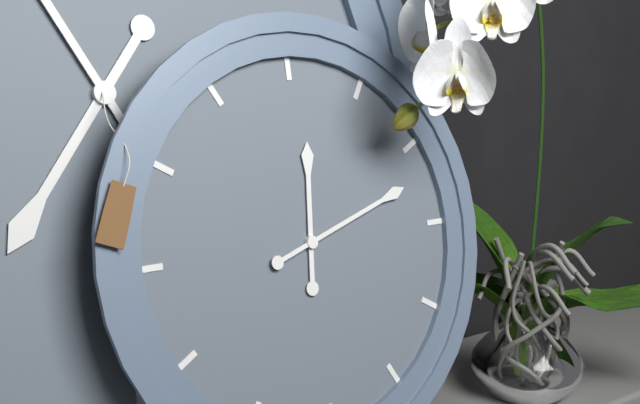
12:12
